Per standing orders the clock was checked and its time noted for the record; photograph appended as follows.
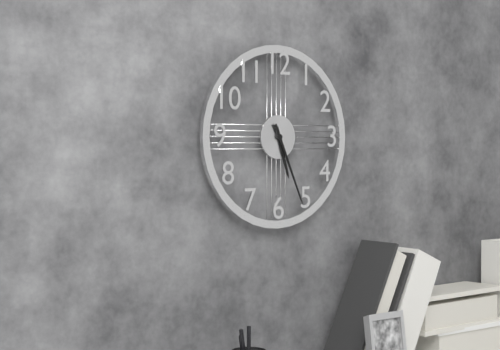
5:26
